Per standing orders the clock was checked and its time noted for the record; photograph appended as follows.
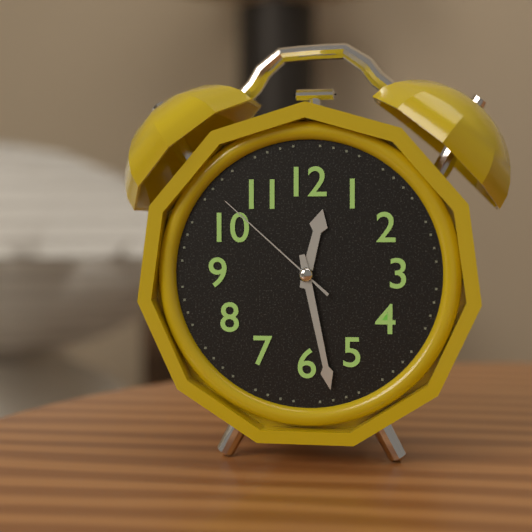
12:28:52
